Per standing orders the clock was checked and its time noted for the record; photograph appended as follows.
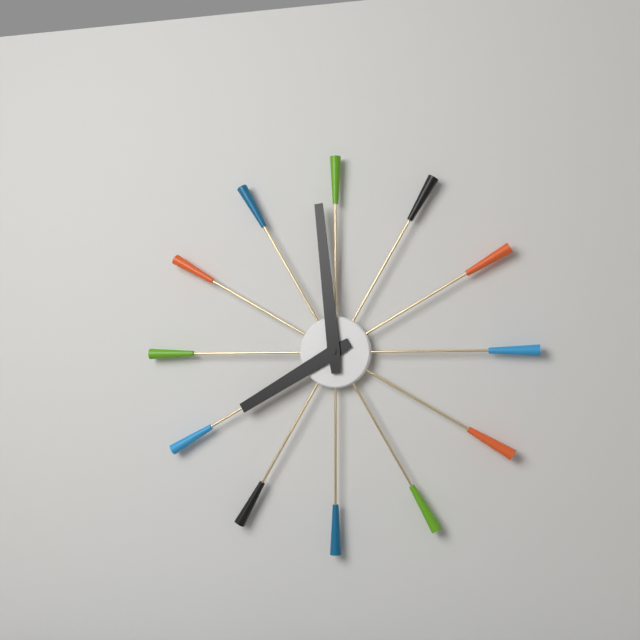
7:59
